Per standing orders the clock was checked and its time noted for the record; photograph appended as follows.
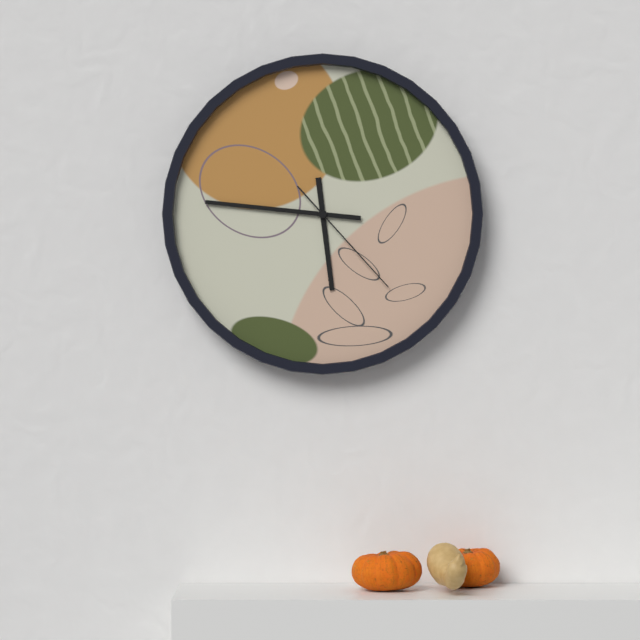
5:46:23
